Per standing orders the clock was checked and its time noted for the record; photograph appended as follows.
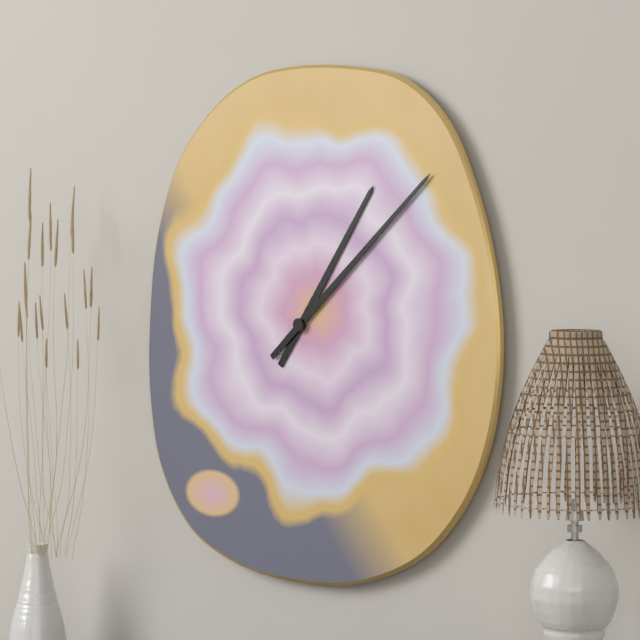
1:08
